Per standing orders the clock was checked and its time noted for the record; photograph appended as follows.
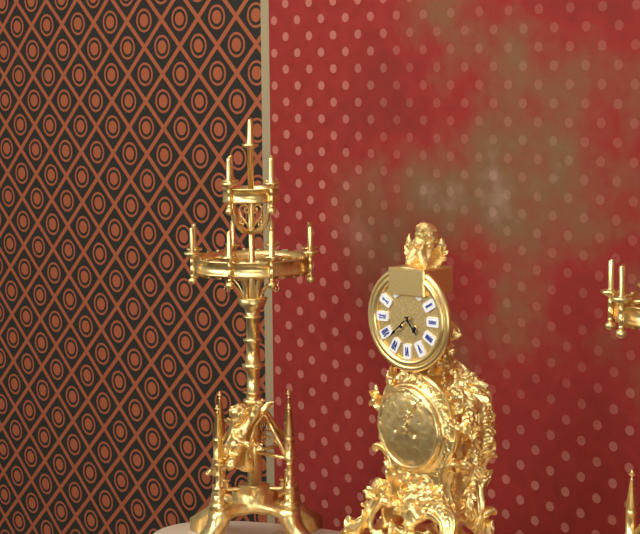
4:38
